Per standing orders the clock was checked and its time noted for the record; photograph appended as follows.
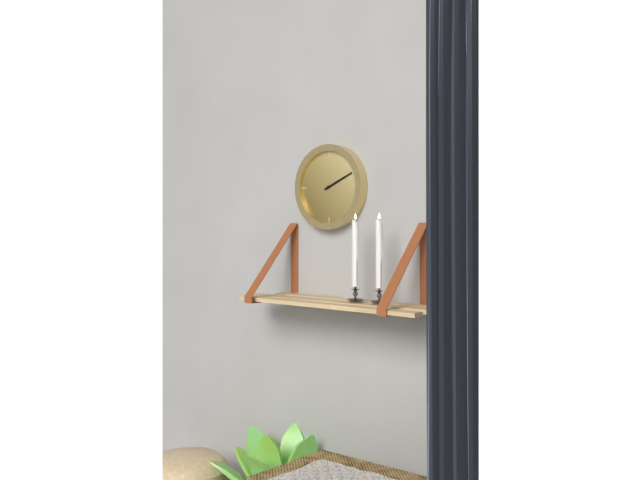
2:11
